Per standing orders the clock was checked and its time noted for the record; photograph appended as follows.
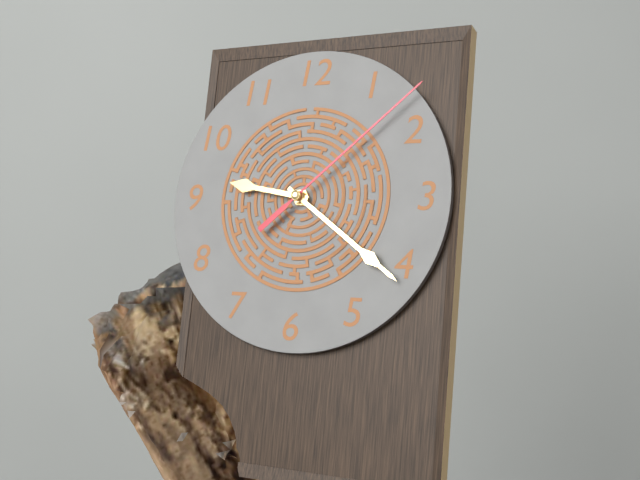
9:21:08
